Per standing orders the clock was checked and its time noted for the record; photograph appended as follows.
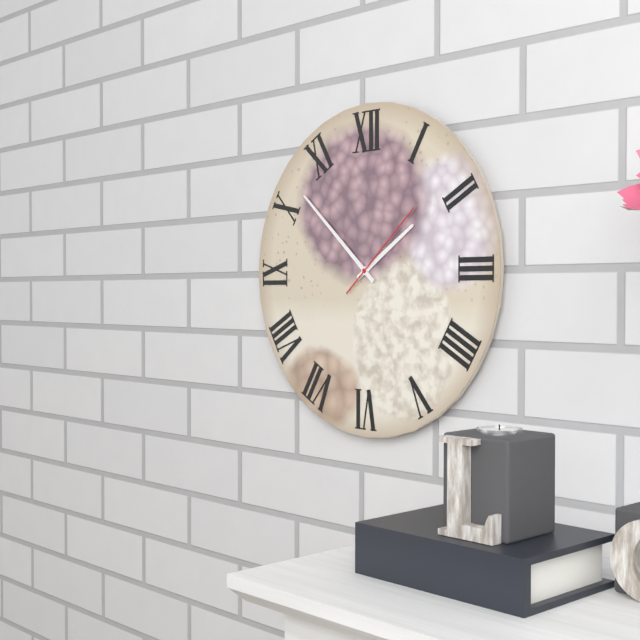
1:52:08
